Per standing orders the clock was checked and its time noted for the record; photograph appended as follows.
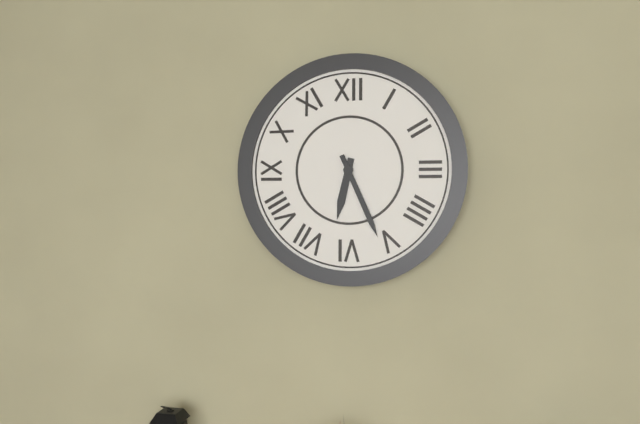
6:26
